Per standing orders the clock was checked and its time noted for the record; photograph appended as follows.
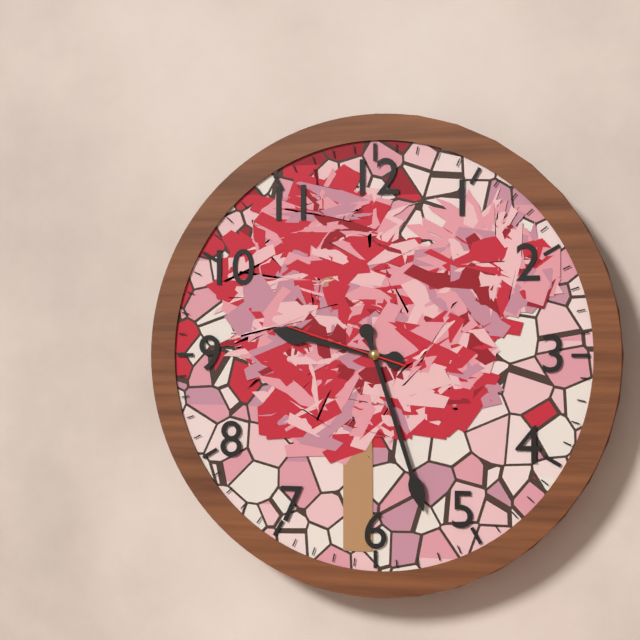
9:27:48
